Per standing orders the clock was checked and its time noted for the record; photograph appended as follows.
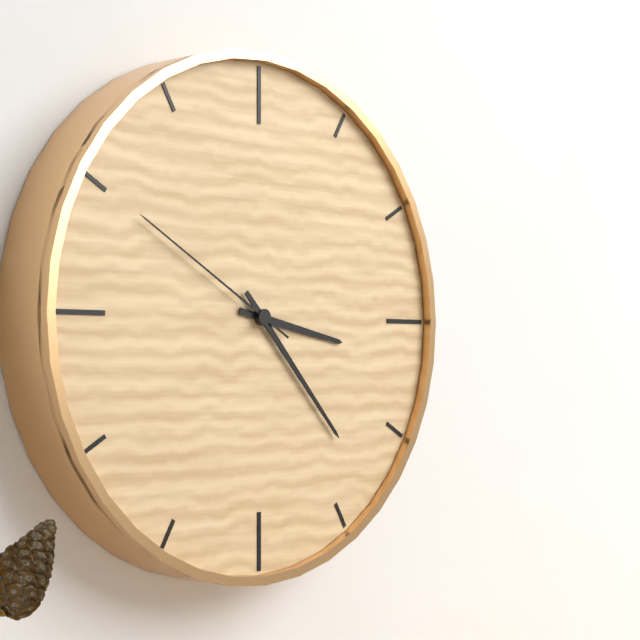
3:23:50
